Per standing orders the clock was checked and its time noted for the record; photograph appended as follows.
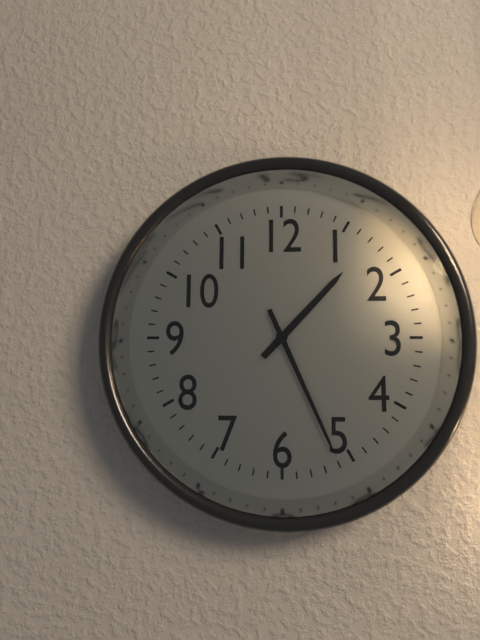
1:26
